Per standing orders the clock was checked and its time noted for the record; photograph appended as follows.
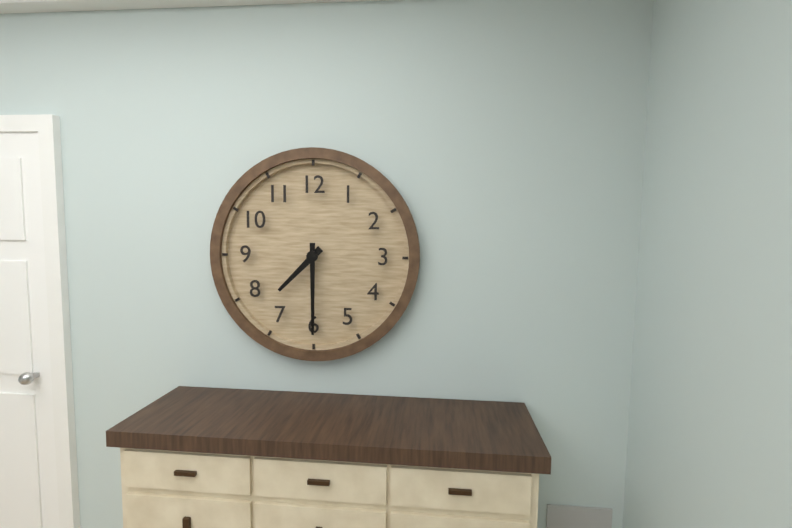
7:30
